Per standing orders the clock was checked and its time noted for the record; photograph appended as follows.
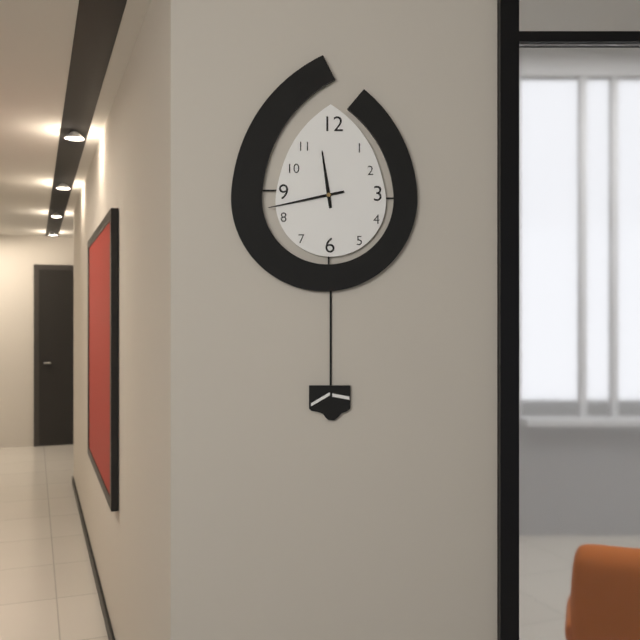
11:43
